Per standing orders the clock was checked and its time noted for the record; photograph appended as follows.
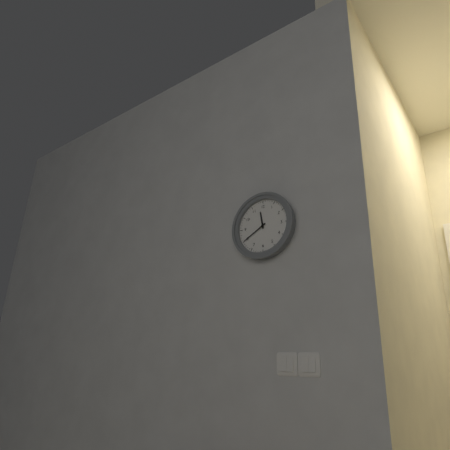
11:40
